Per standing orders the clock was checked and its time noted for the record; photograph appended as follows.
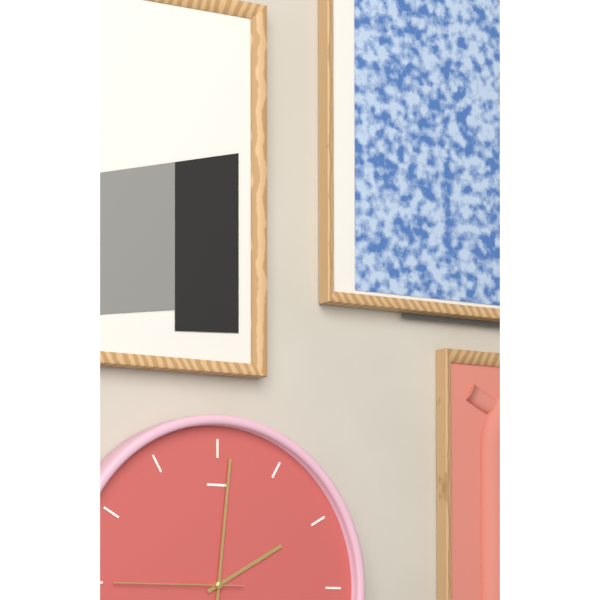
2:01:45
